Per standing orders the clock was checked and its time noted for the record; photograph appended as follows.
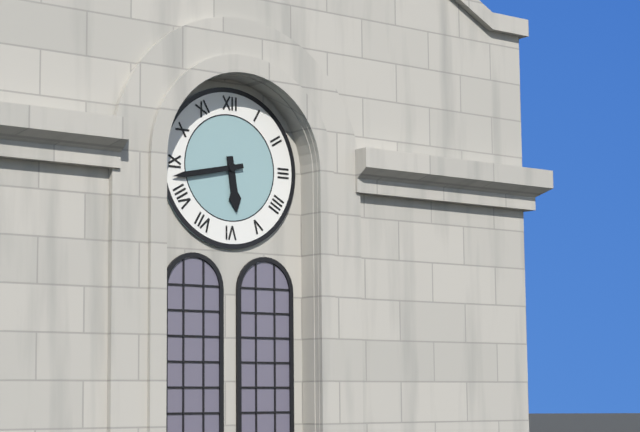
5:43
